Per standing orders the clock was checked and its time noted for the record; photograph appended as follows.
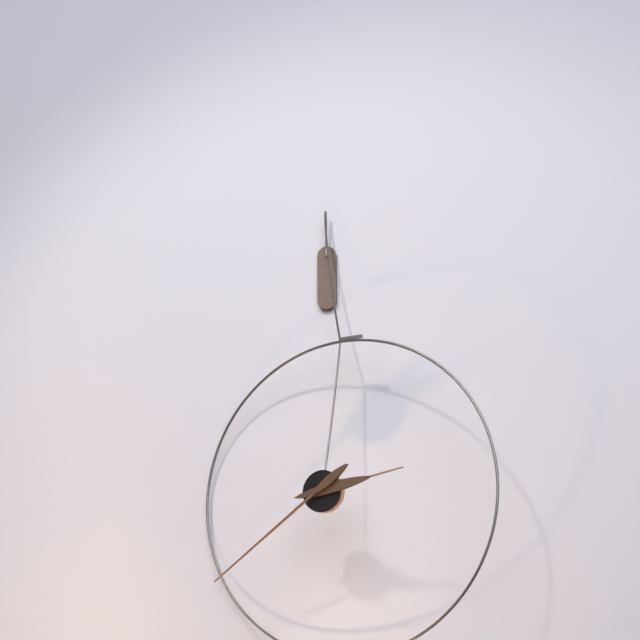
2:39
